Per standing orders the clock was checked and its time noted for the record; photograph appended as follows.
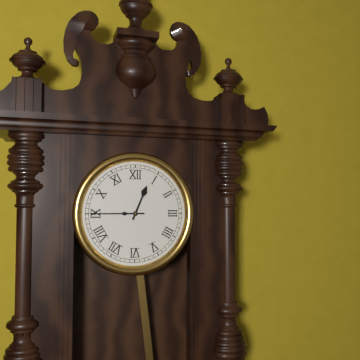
12:45
